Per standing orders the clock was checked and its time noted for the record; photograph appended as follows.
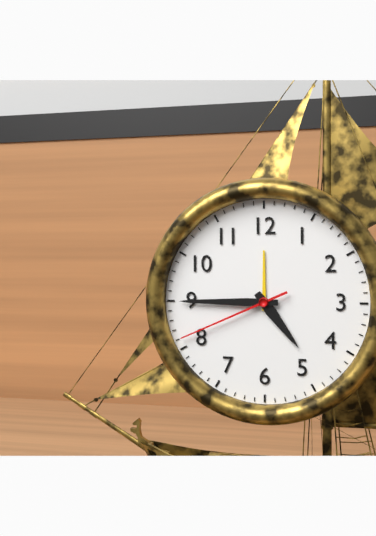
4:45:41
